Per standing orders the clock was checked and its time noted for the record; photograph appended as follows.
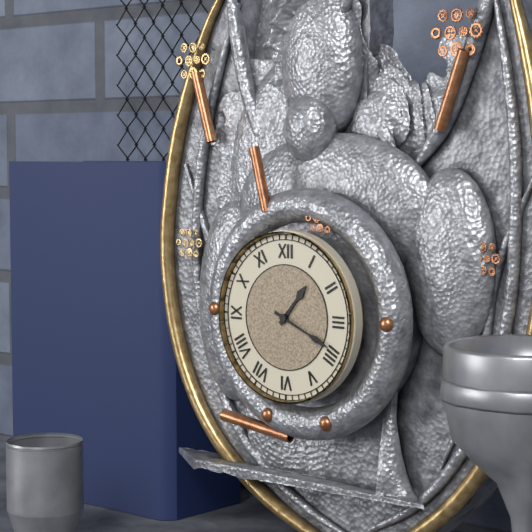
1:19
